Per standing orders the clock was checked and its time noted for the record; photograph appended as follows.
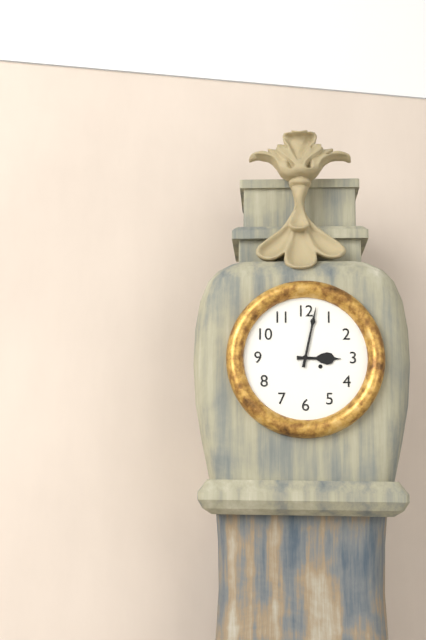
3:02
